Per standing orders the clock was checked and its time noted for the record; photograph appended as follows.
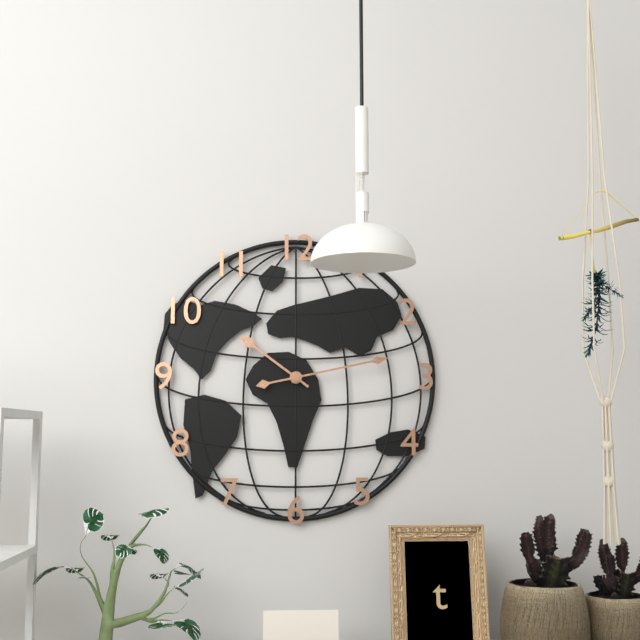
10:13
